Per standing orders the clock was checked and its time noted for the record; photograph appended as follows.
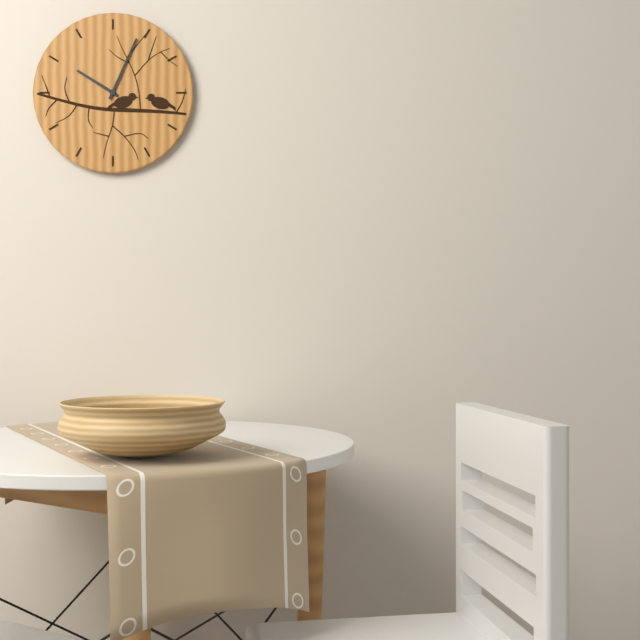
10:04
